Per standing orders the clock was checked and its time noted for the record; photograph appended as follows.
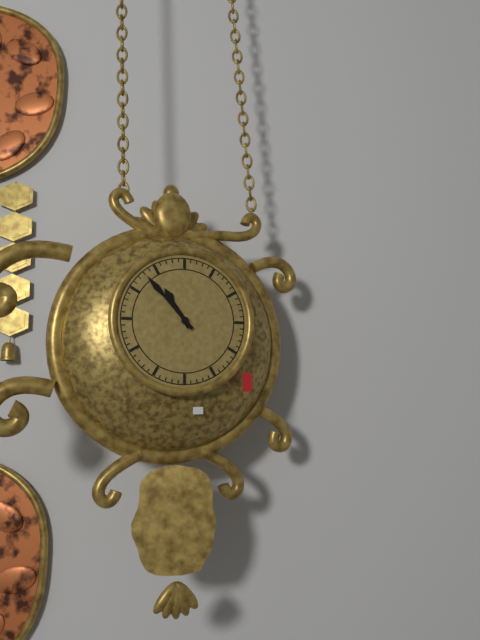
10:53
